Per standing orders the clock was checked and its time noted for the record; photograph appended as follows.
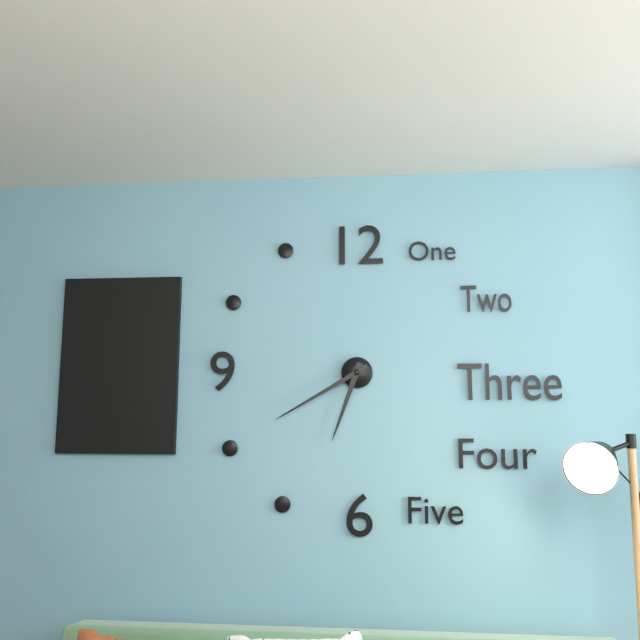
6:40
